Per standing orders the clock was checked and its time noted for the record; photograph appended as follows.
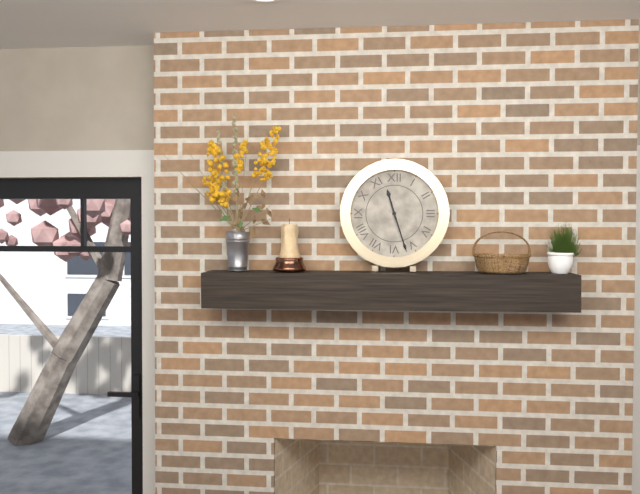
11:27
